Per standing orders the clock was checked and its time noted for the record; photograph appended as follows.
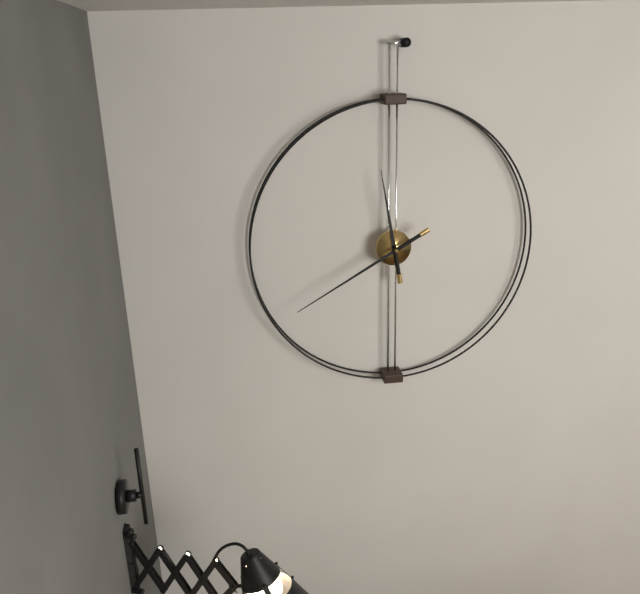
11:40
